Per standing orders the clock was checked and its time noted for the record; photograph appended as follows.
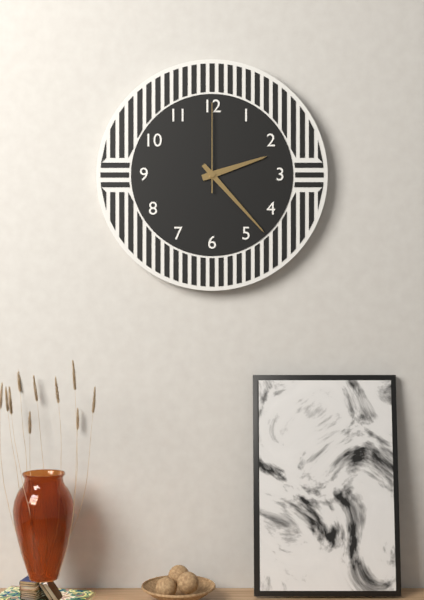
2:23:00
